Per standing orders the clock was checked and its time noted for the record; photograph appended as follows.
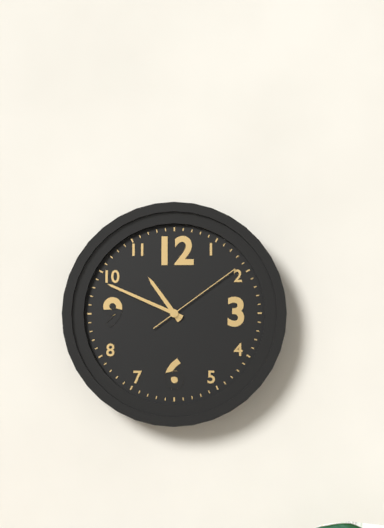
10:49:09
